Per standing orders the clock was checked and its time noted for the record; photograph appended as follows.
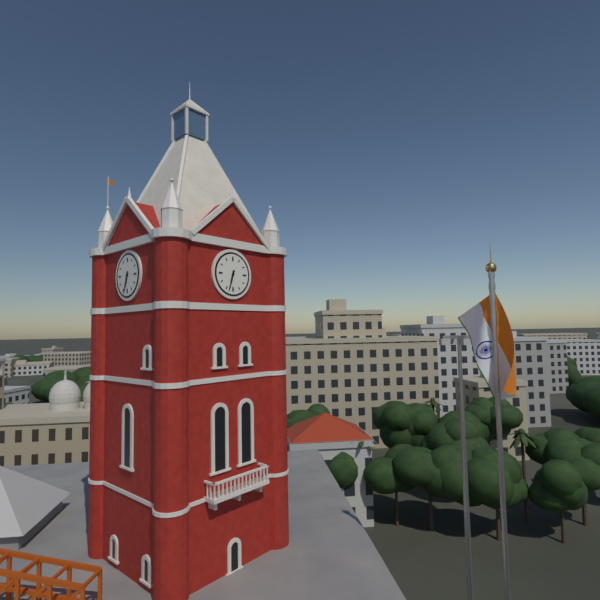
6:33
